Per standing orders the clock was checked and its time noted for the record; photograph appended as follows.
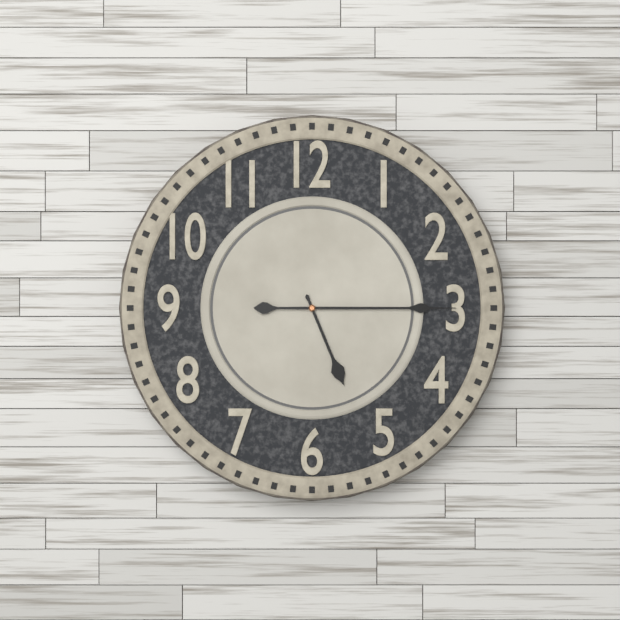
5:15
